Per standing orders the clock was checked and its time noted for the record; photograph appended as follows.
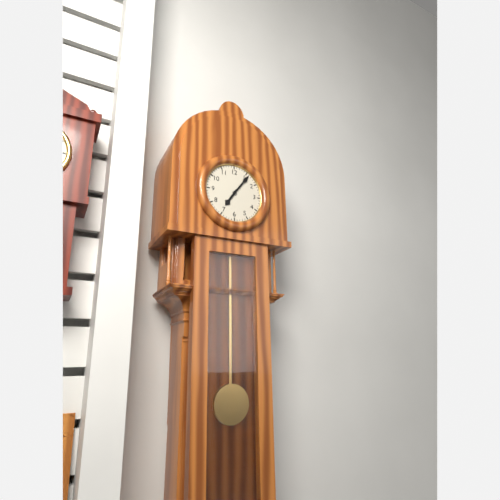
7:06
